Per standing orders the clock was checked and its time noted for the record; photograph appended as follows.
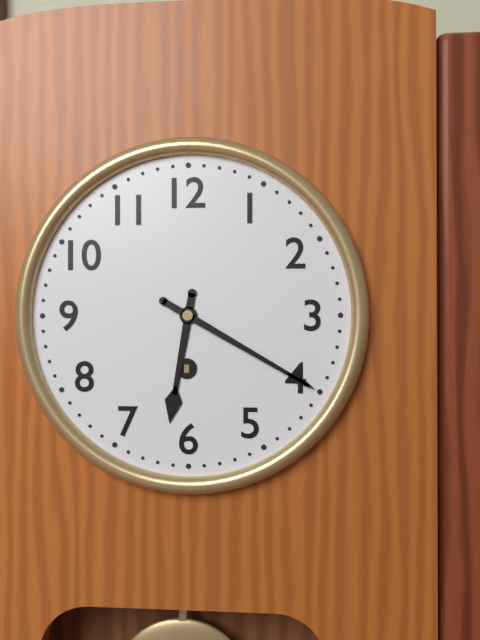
6:20
